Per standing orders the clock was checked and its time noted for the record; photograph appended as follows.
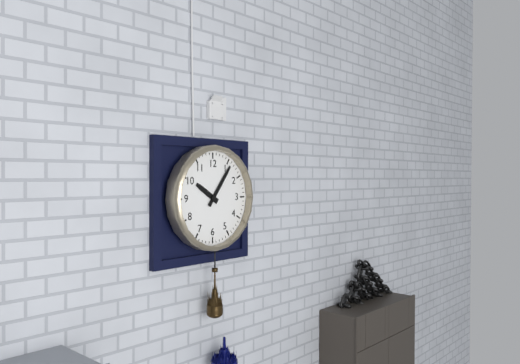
10:06
